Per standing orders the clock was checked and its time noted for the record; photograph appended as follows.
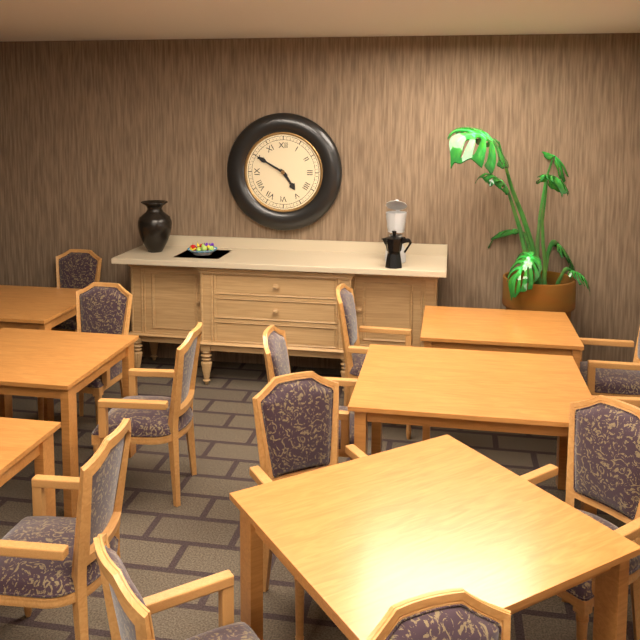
4:50
